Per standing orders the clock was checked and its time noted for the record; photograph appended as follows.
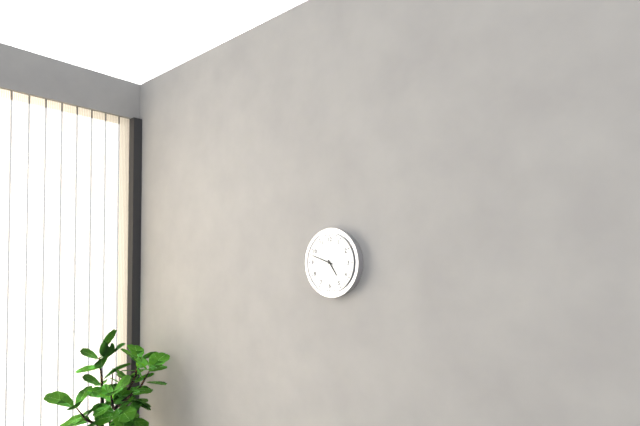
4:48
